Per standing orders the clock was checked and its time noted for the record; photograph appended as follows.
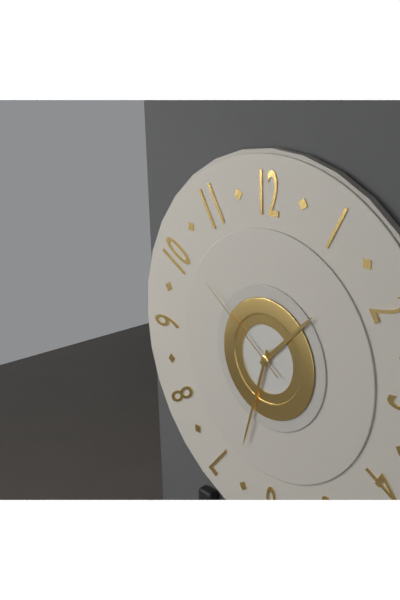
1:33:51
